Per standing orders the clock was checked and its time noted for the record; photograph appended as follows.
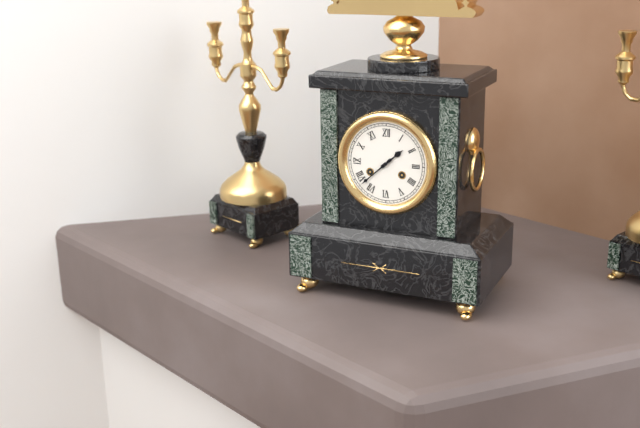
1:38
